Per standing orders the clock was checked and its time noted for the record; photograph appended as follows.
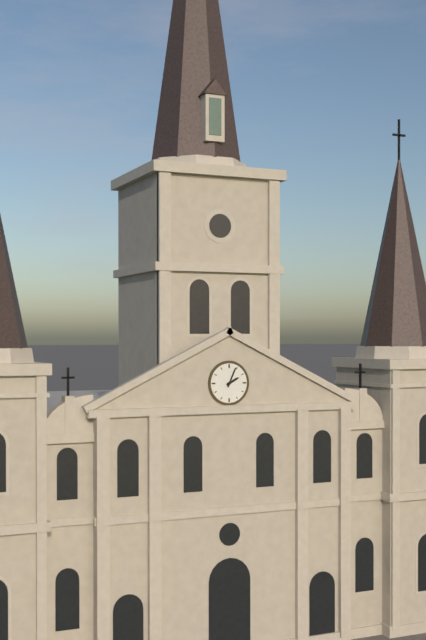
2:04
